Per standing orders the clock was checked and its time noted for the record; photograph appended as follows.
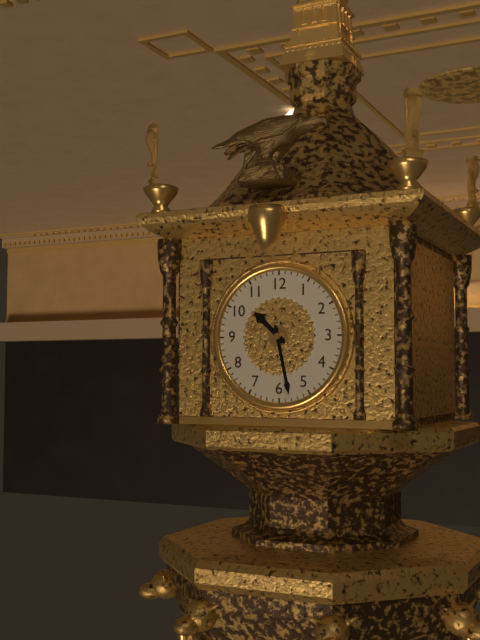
10:28
